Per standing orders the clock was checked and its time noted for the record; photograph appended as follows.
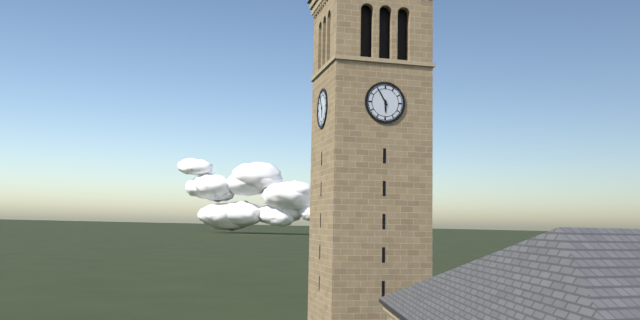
5:55
